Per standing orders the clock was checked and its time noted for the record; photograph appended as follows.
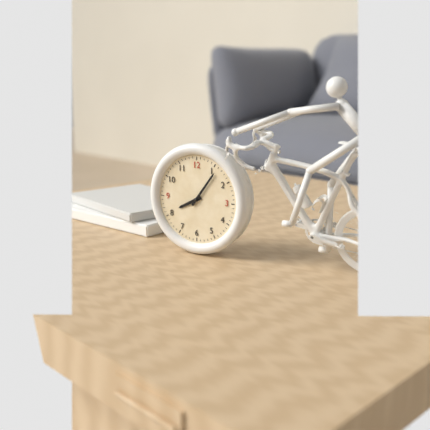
8:06
